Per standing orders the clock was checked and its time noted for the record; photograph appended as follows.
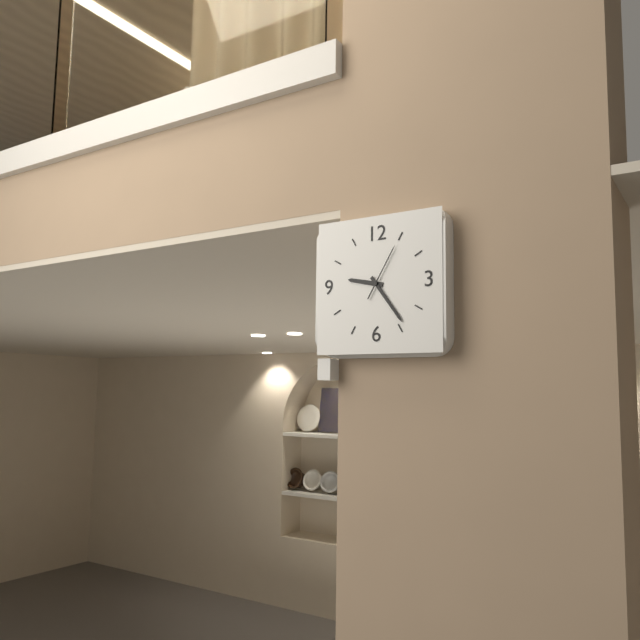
9:24:05
